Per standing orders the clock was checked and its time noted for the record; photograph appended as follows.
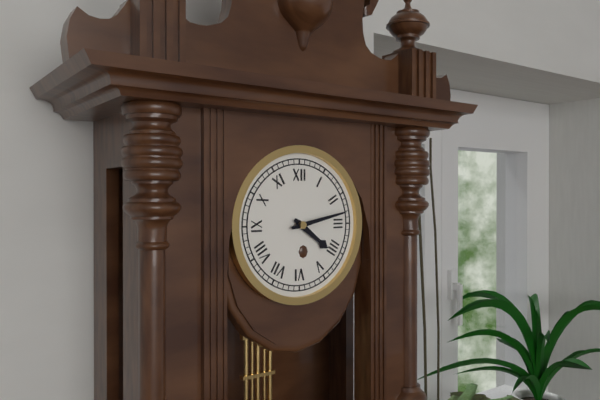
4:13
